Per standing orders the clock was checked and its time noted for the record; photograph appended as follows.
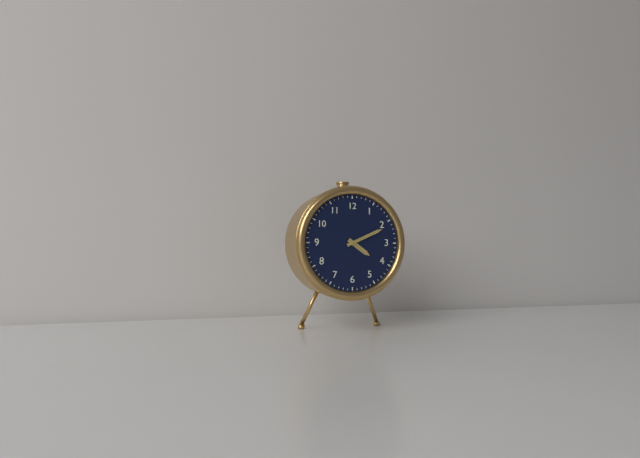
4:11
